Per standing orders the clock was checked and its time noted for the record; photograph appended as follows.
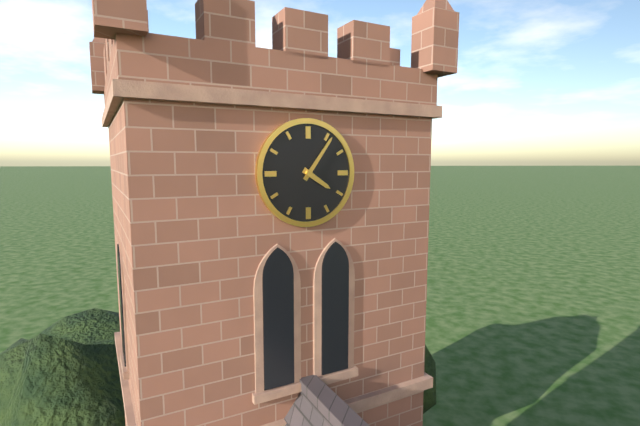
4:06
